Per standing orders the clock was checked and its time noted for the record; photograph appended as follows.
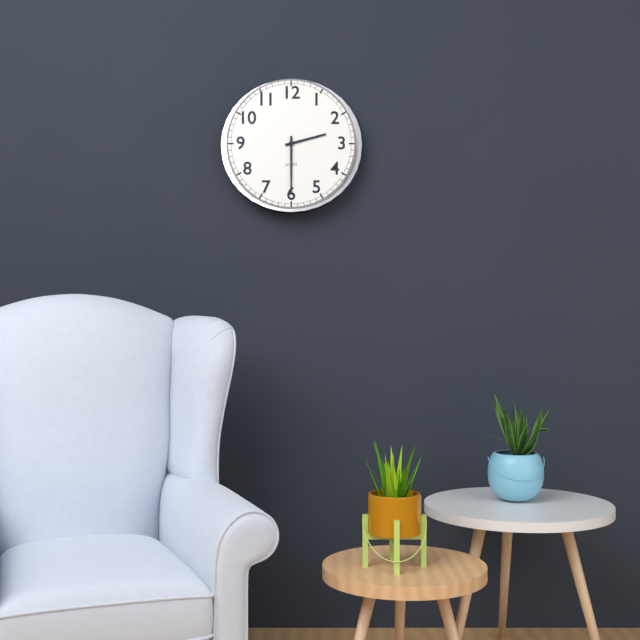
2:30
